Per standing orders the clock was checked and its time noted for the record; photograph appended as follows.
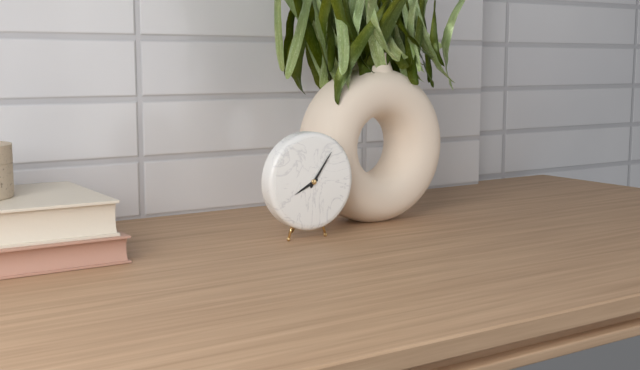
8:06
